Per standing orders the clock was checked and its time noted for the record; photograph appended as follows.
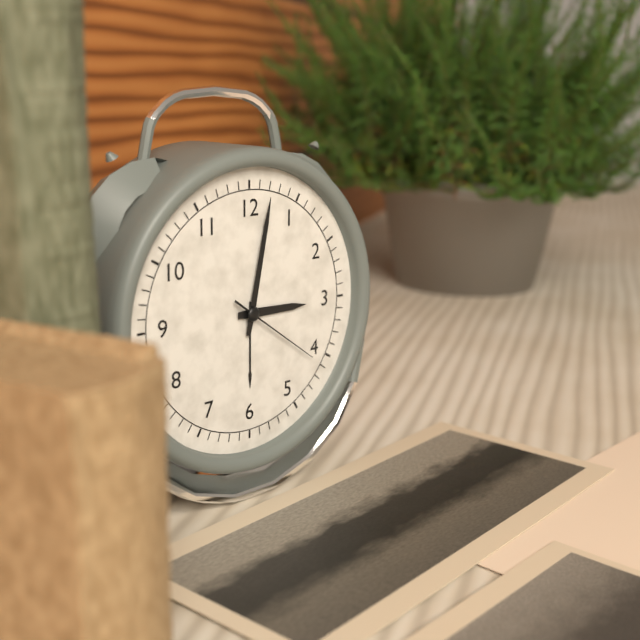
3:02:21
